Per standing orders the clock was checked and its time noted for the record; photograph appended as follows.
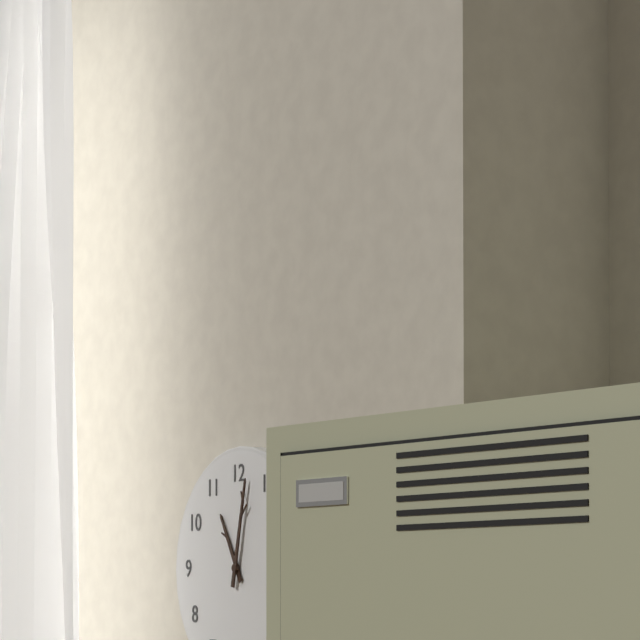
11:02
